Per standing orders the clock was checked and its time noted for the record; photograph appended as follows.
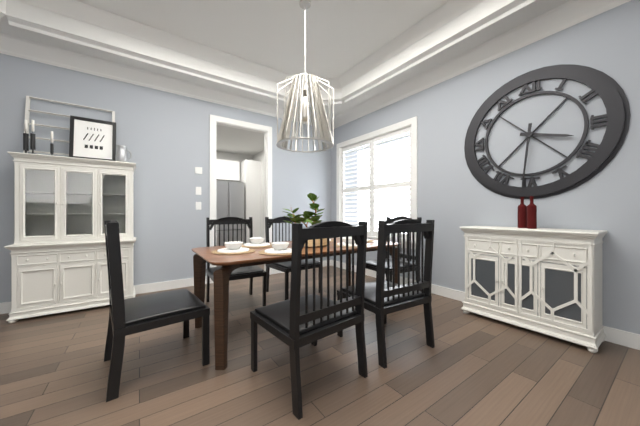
3:31
